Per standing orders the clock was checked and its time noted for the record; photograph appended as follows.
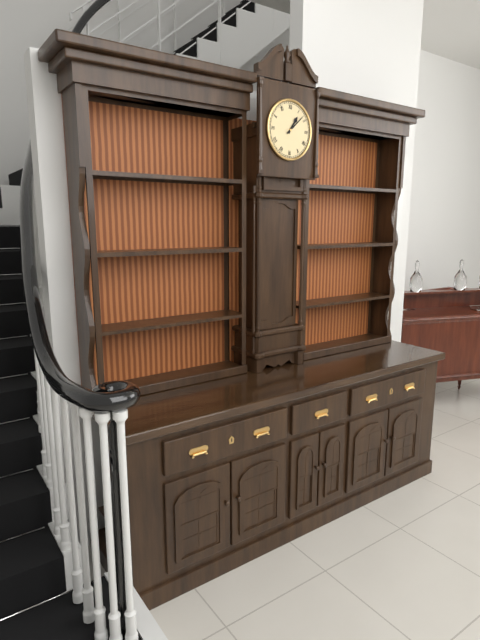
1:08
